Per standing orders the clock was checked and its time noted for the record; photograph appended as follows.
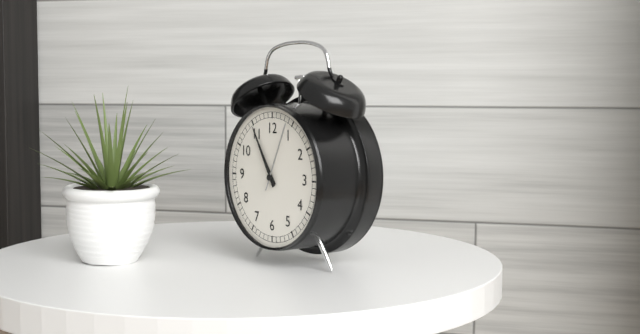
10:55:04
